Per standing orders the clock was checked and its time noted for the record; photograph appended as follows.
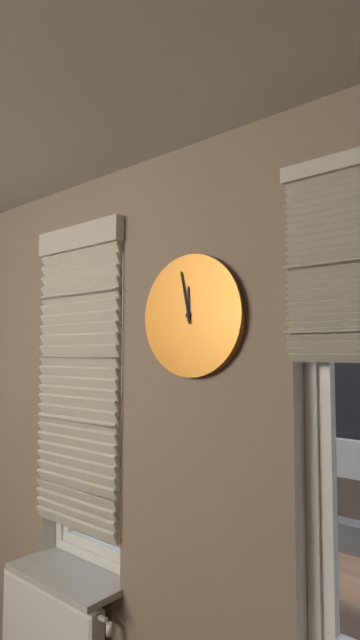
11:58
